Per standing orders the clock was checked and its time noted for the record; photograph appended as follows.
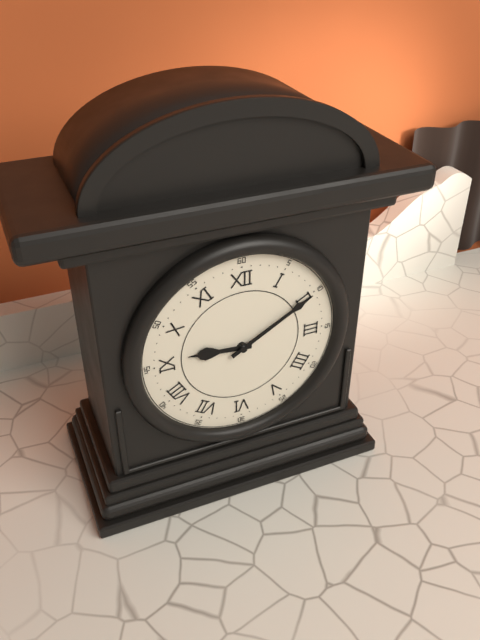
9:10
